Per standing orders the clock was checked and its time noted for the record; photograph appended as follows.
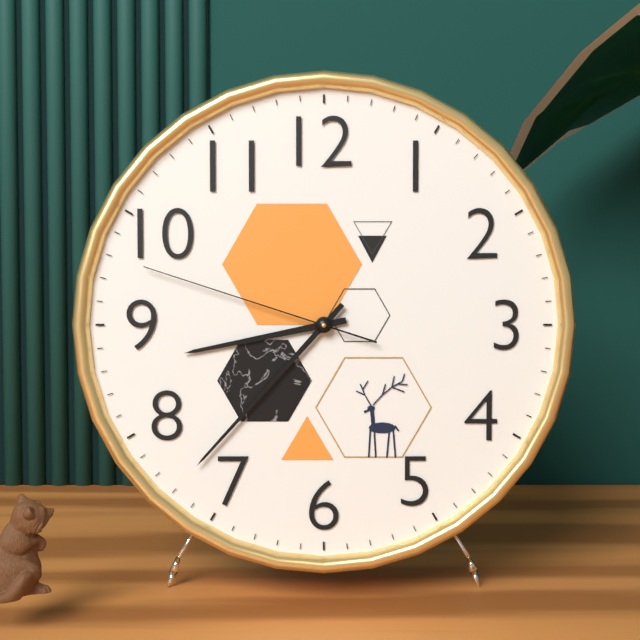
8:37:48
